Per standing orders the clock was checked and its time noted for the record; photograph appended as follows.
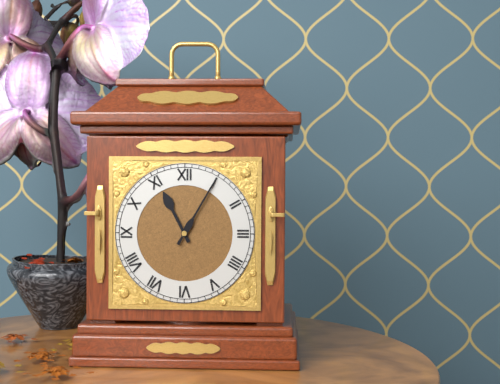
11:05
